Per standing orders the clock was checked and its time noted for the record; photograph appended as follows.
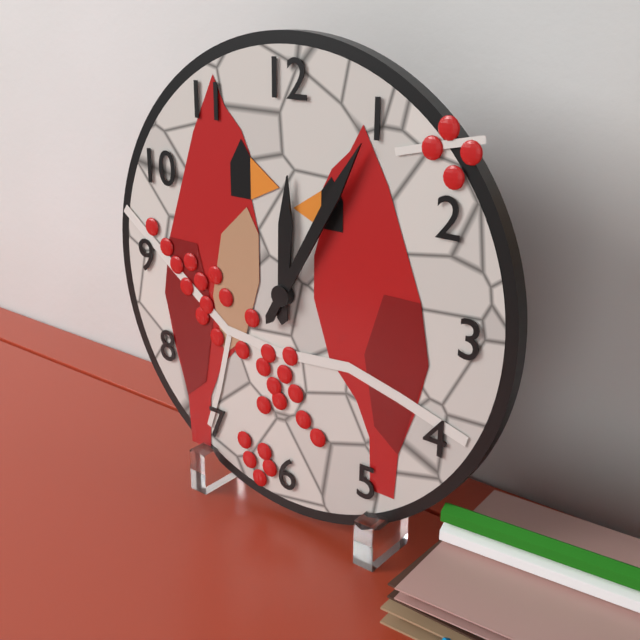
12:05
